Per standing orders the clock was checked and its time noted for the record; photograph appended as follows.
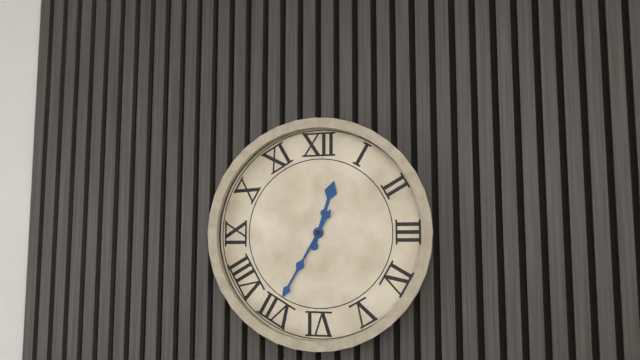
12:35
